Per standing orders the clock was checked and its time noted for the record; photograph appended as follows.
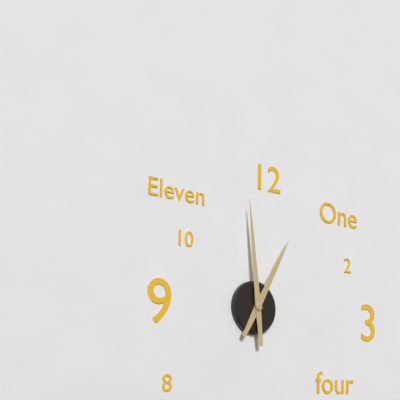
12:59
